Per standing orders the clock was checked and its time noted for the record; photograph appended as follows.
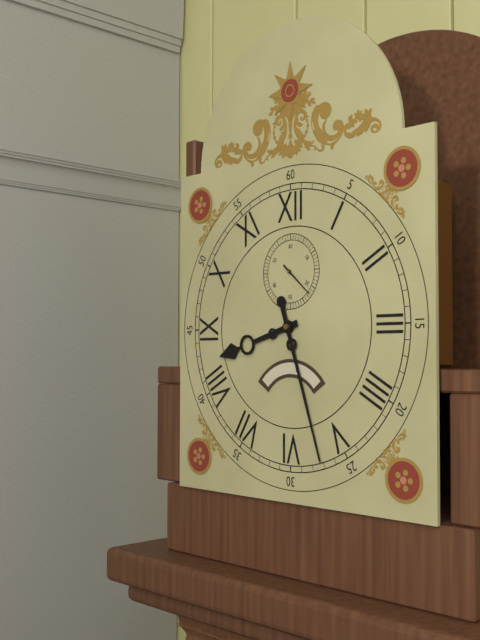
8:27
